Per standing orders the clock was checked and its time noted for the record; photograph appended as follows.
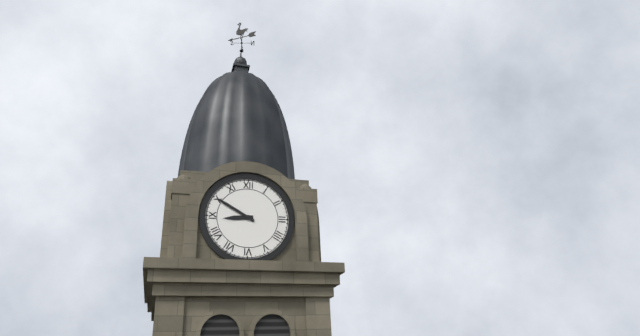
8:50
